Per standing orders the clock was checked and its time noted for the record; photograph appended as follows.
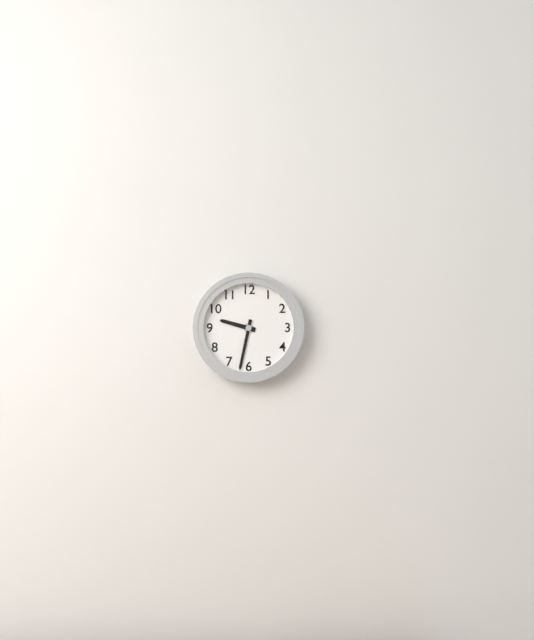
9:32
